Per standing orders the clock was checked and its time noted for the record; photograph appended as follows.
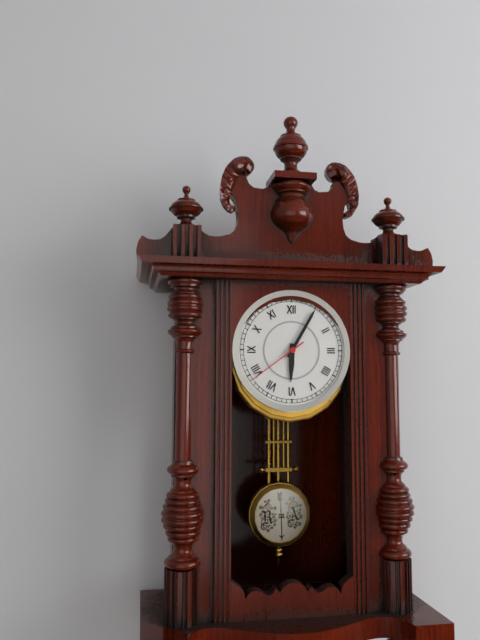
6:05:39
